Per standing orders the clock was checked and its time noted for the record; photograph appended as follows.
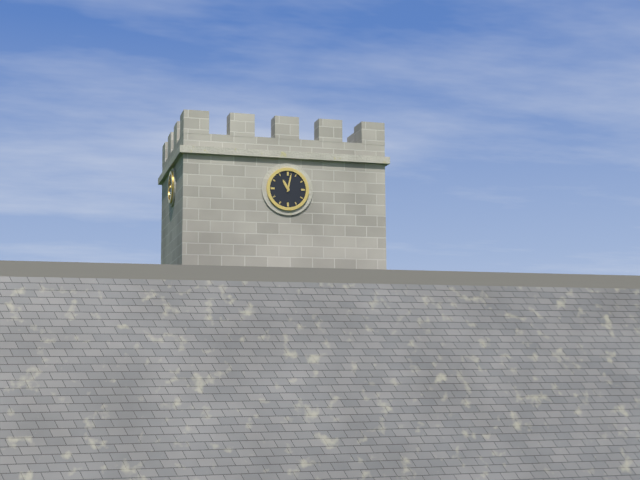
11:02
